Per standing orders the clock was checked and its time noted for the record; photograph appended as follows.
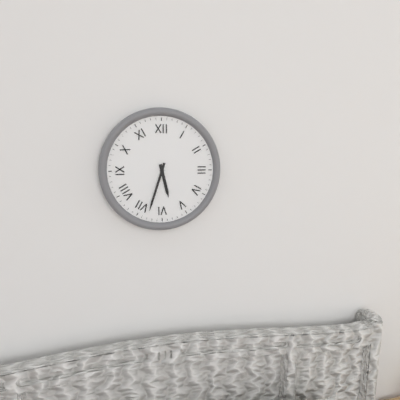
5:33
